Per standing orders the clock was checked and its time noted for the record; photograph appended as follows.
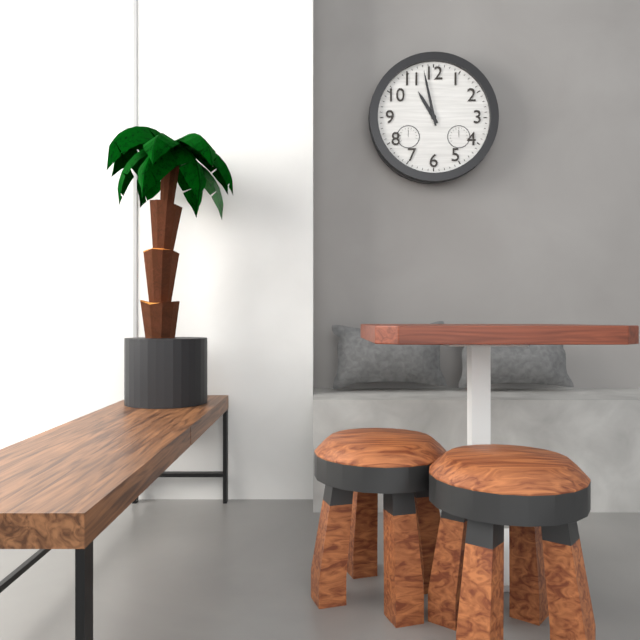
10:58
